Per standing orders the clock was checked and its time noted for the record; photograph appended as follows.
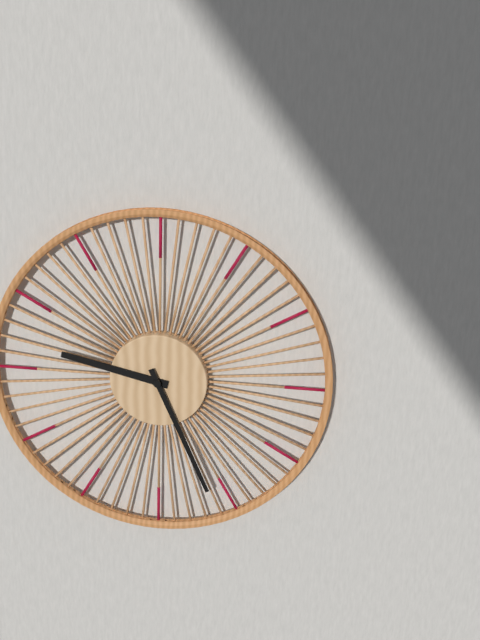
9:26
